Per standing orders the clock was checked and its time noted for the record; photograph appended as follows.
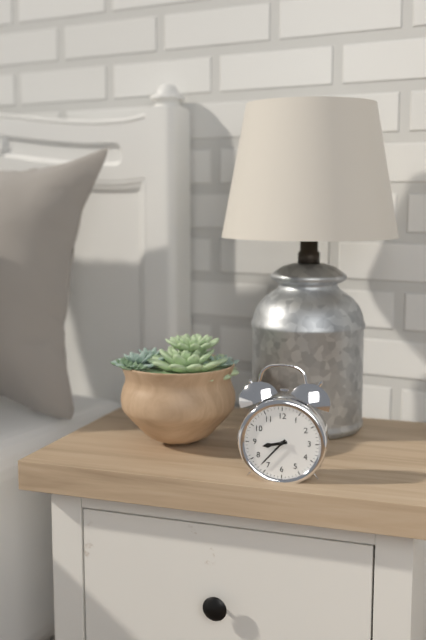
8:37
